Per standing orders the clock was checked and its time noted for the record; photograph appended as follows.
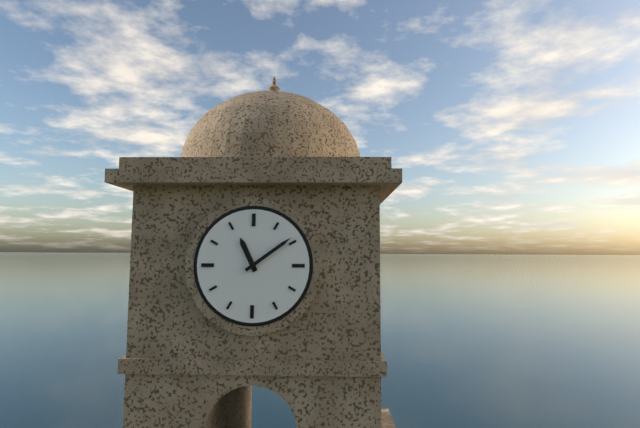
11:09
